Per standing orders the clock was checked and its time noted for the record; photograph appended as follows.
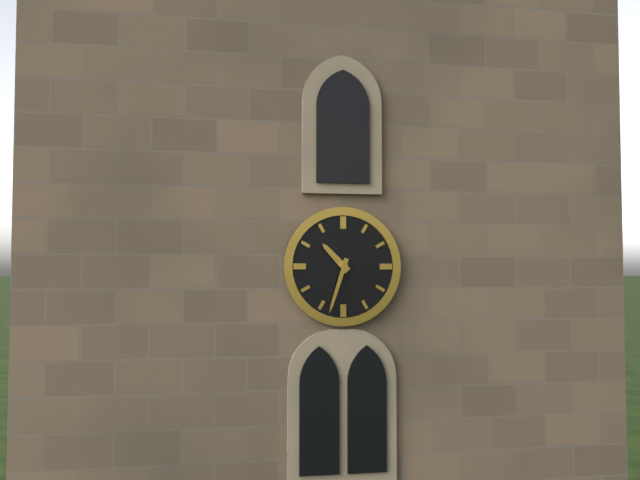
10:33
